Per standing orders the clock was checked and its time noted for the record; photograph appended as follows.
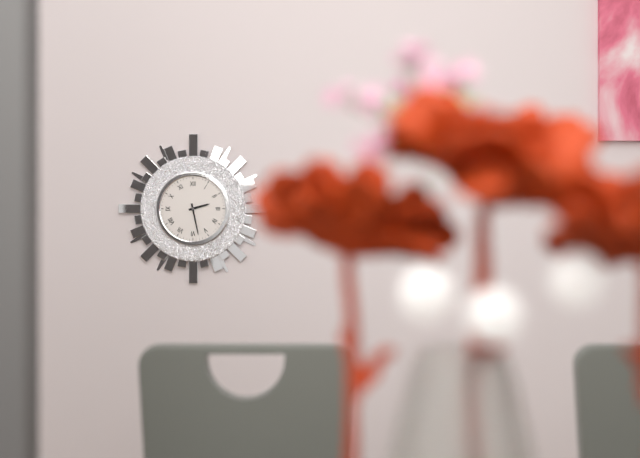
2:28
